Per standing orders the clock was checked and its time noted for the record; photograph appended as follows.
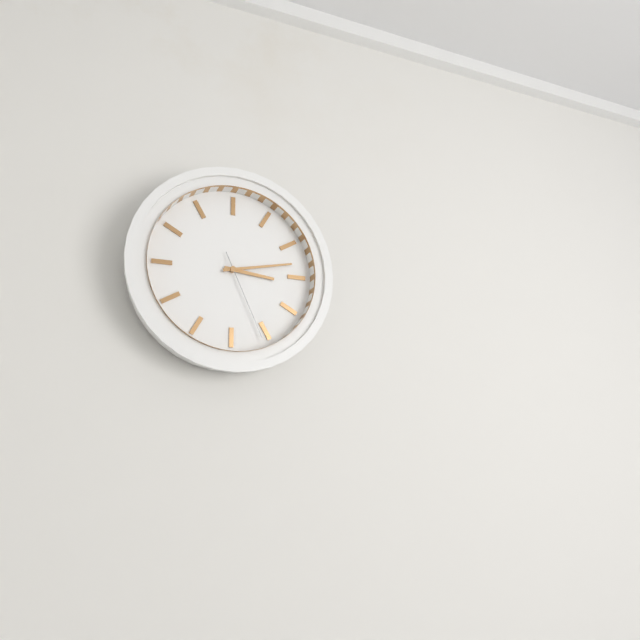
3:13:26
